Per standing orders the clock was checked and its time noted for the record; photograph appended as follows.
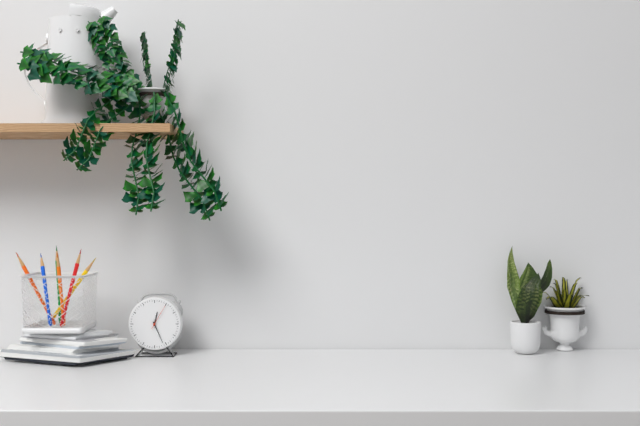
12:26
